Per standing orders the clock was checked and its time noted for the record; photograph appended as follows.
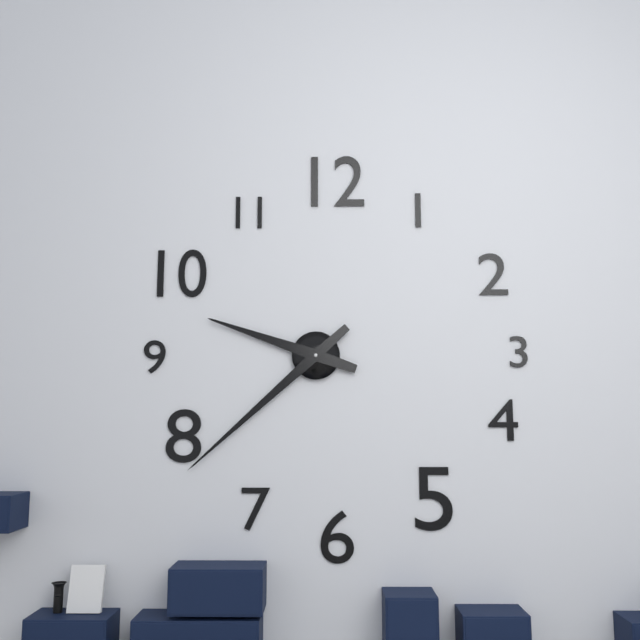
9:38
